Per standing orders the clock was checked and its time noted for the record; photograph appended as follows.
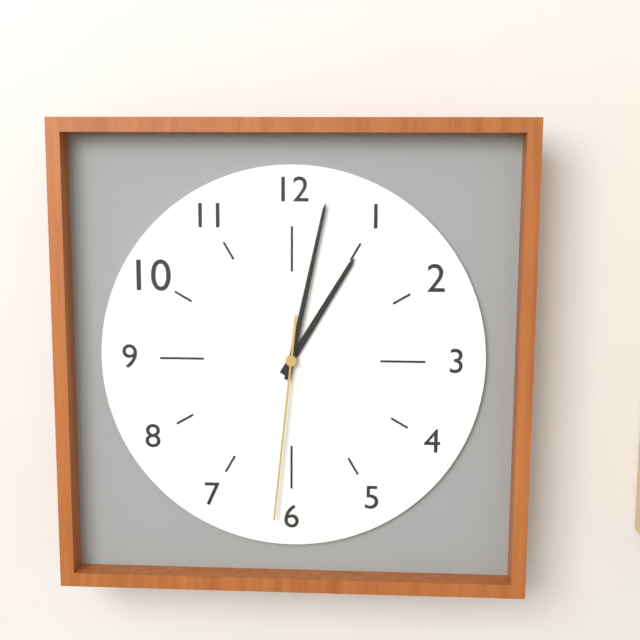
1:02:31
